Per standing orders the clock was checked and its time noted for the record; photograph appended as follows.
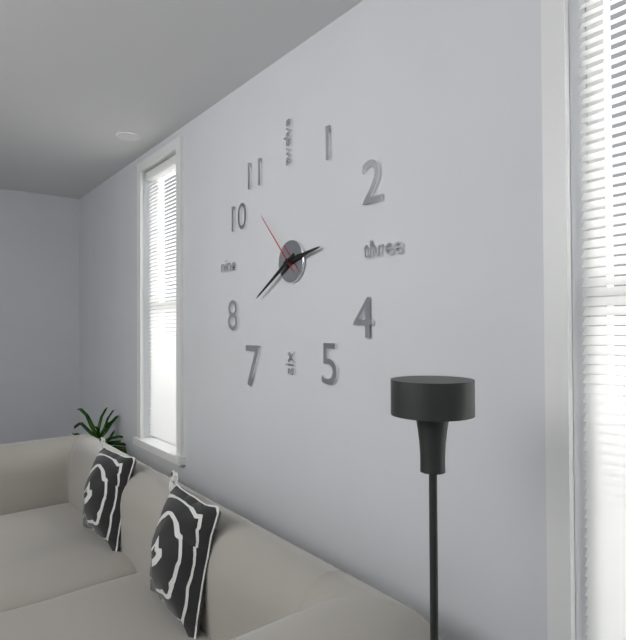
2:40:53
